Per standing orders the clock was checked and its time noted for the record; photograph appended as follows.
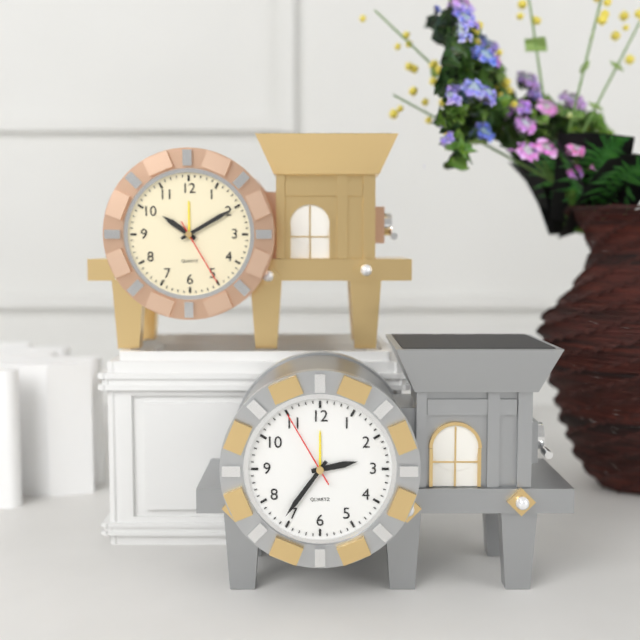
2:36:55
